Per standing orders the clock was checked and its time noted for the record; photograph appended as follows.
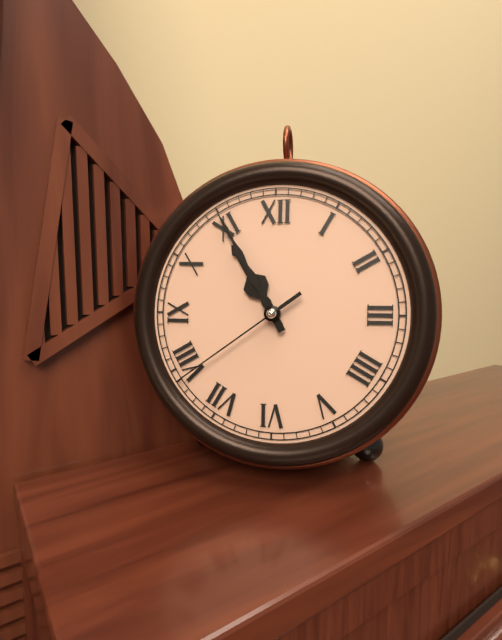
10:55:39
